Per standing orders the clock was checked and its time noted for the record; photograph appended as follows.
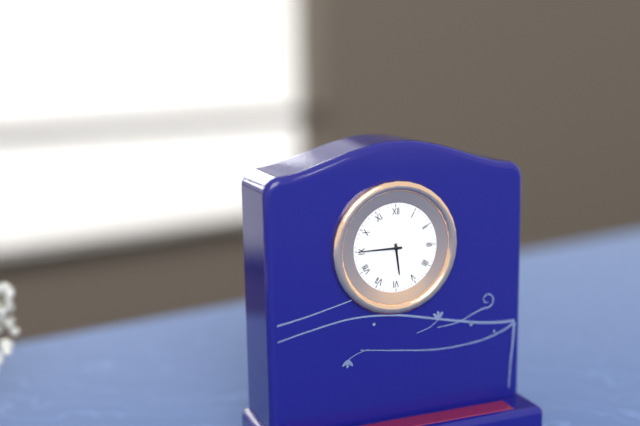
5:45
